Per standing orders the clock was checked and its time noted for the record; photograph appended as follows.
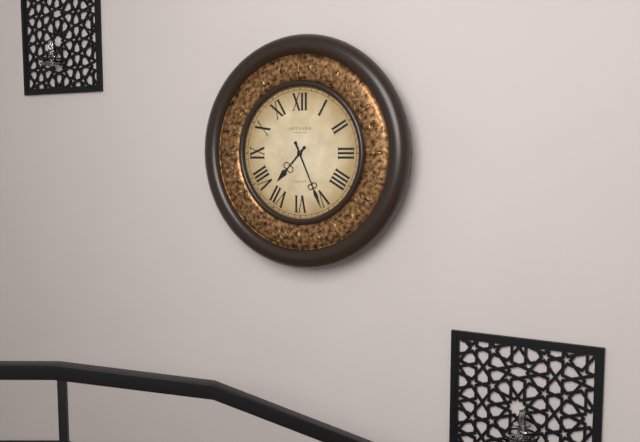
7:26
